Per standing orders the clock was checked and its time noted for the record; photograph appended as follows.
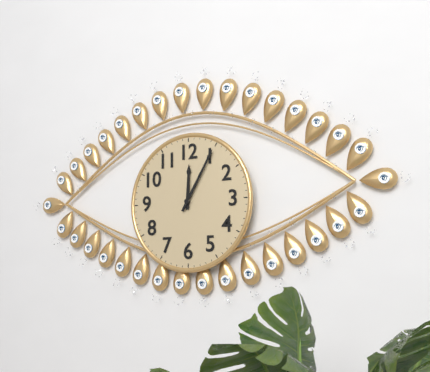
12:05
